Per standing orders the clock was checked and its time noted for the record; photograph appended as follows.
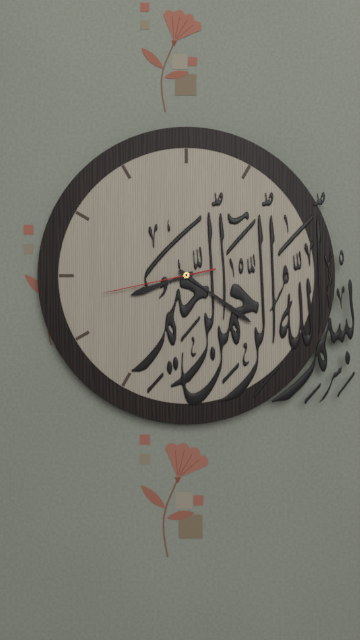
8:21:43
